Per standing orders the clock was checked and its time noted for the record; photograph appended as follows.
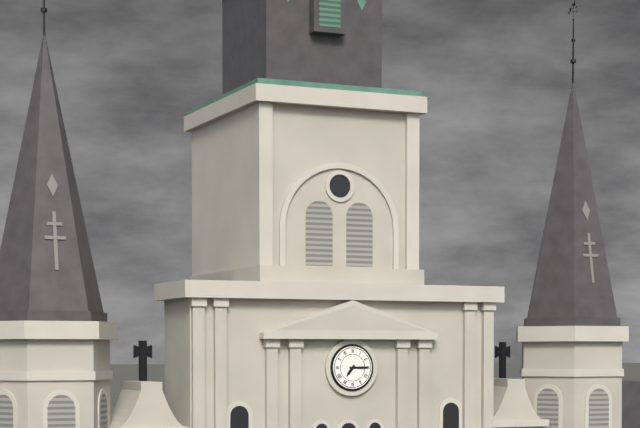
7:15
